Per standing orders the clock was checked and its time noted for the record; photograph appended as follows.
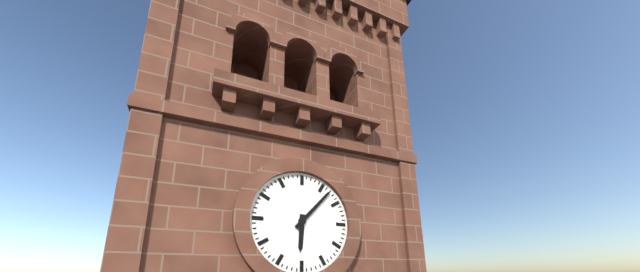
6:07
